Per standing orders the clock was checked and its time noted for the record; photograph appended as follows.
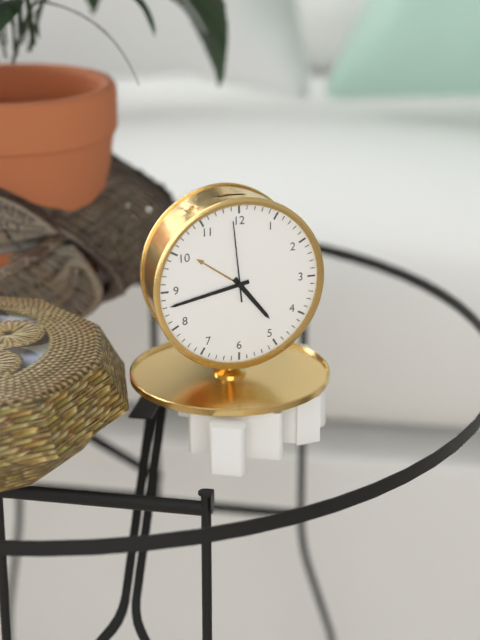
4:43:59
